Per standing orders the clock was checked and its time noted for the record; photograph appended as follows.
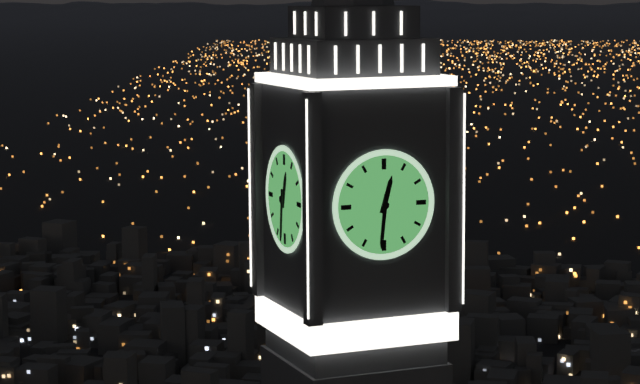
12:31
